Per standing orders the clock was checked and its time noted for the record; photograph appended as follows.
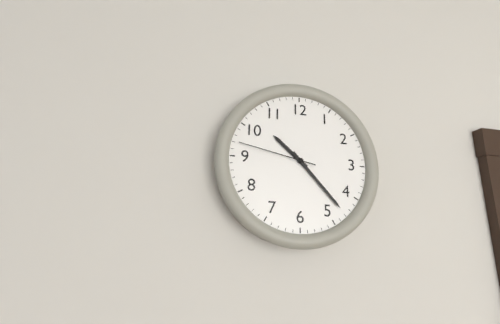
10:23:47
